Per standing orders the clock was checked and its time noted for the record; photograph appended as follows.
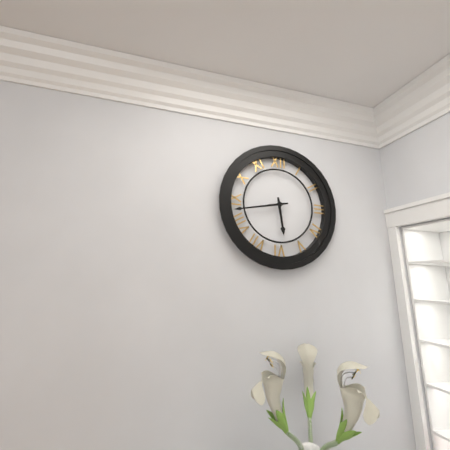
5:43
